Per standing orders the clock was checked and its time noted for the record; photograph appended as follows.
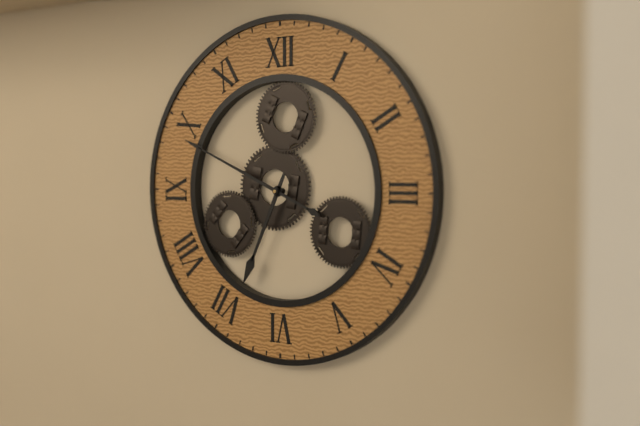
6:49
